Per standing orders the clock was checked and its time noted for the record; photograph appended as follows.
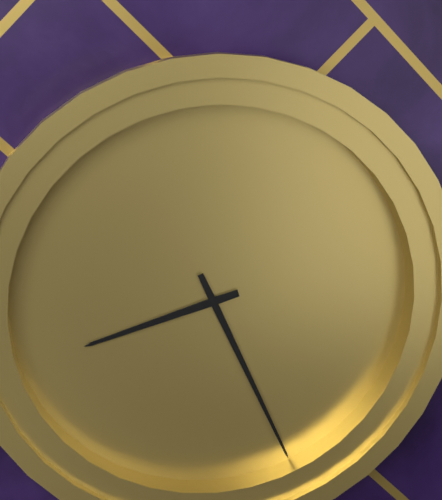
8:26
